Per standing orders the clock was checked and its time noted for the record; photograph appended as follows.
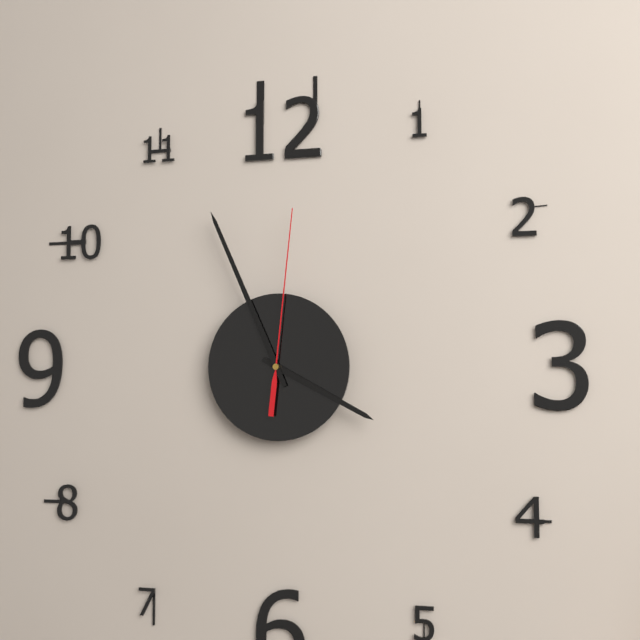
3:56:01
